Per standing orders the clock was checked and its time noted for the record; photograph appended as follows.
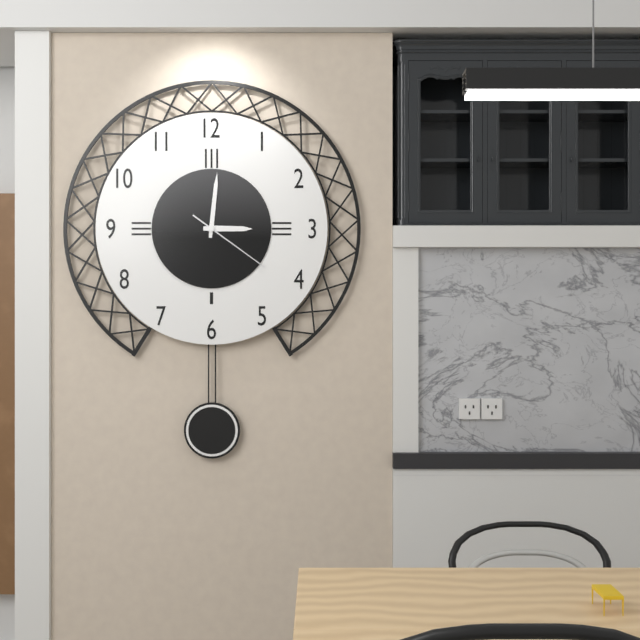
3:01:21
